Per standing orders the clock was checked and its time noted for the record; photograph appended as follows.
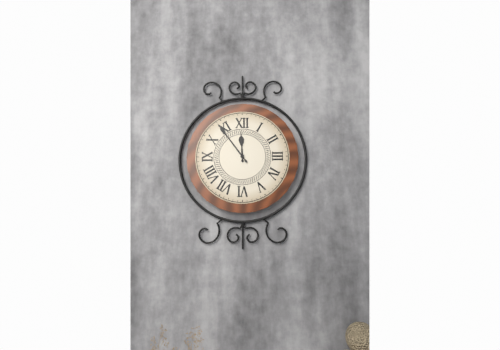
11:54
